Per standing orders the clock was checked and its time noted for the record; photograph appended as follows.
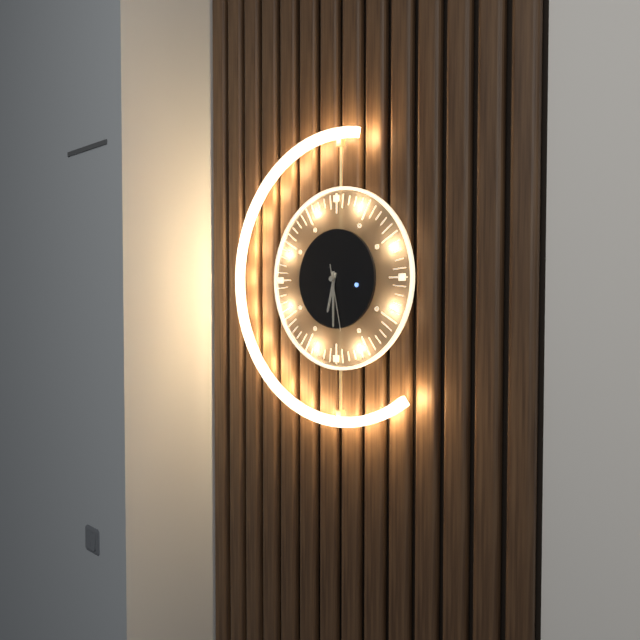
6:30:28
